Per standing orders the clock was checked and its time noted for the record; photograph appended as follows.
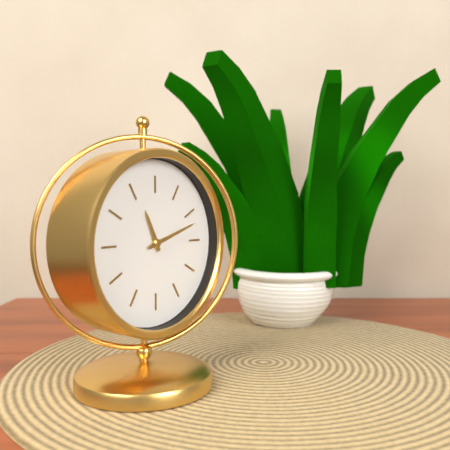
11:12
